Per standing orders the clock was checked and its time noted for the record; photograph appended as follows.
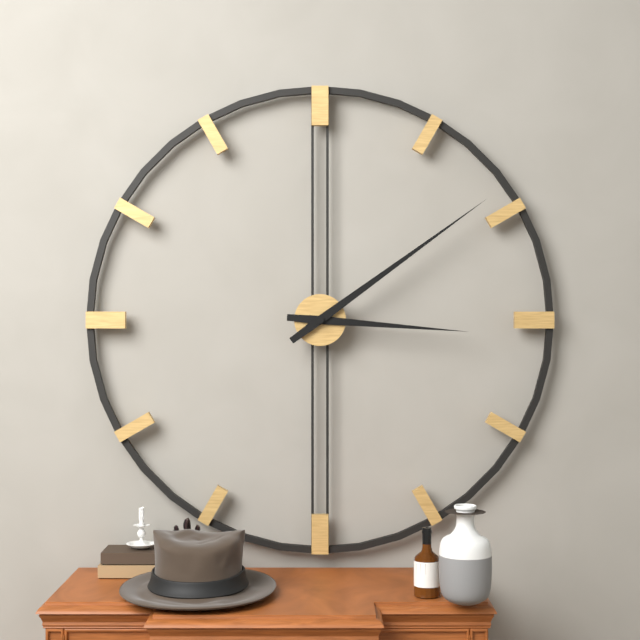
3:09
